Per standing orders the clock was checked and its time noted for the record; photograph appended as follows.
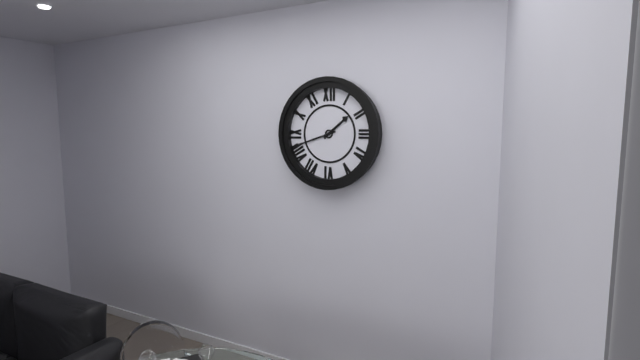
1:42
